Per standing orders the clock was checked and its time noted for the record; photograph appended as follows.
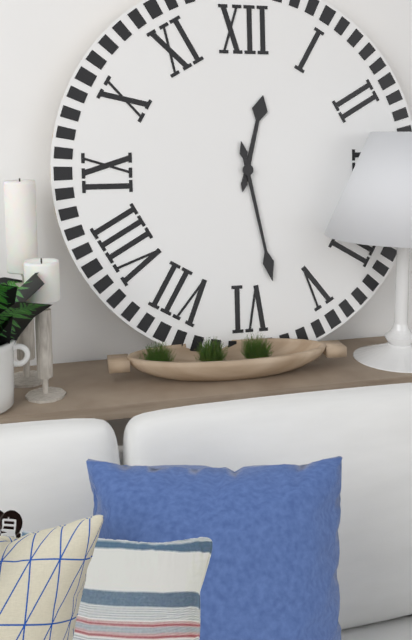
12:28
